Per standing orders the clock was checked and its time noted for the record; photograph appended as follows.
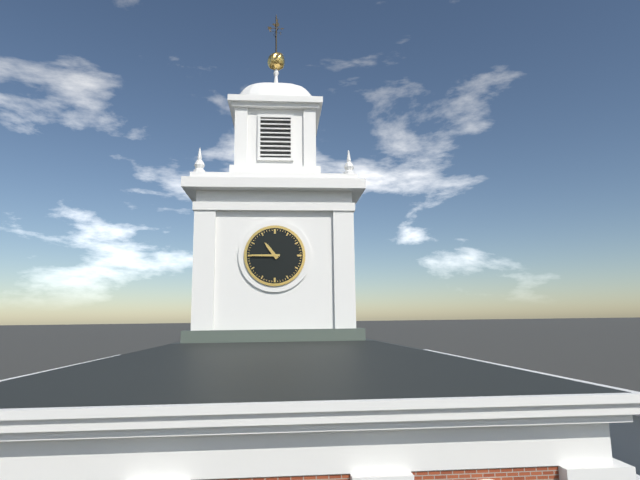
10:45
